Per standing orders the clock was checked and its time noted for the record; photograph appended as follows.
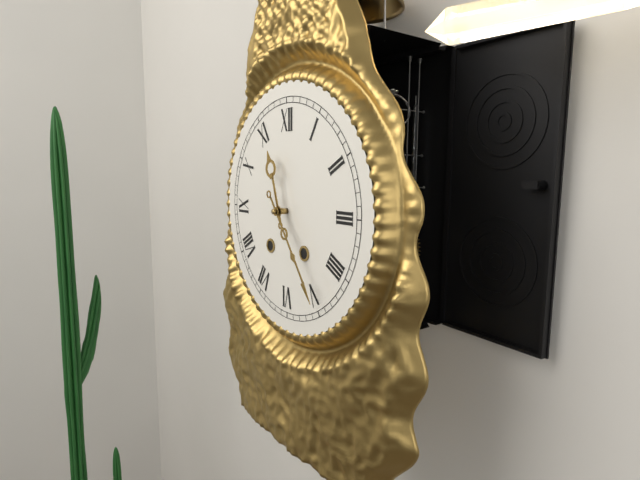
11:24
